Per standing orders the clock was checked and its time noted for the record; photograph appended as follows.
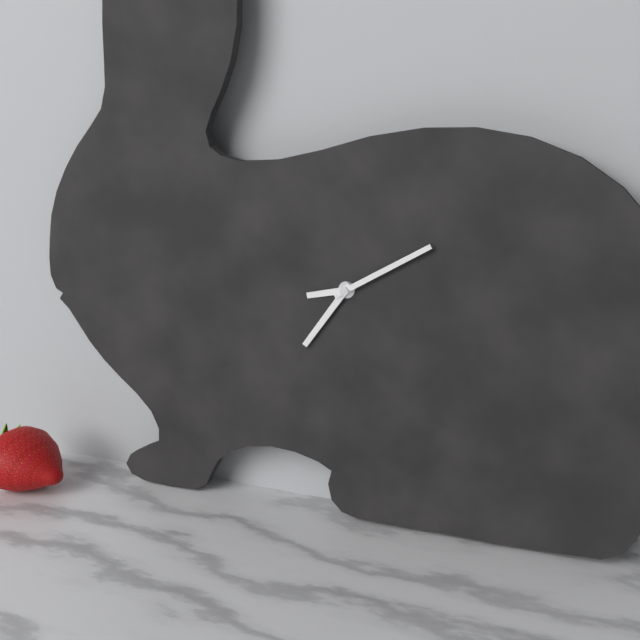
8:36:10
